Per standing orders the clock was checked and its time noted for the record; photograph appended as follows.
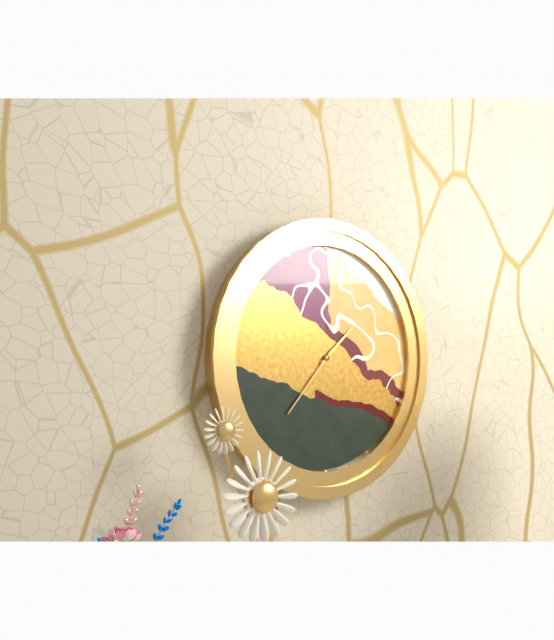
1:37
